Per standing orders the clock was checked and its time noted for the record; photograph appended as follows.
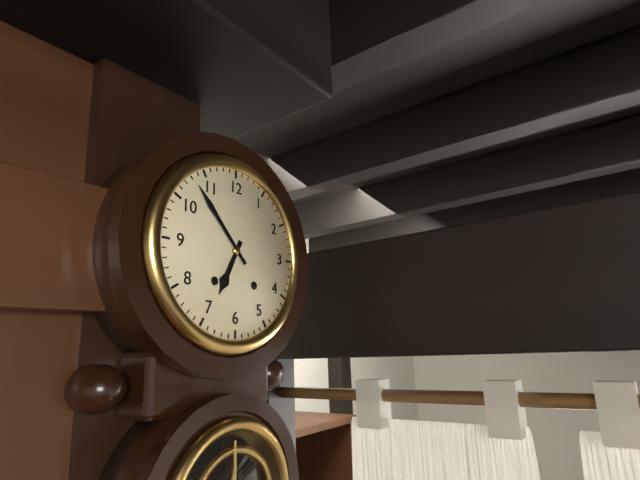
6:53
